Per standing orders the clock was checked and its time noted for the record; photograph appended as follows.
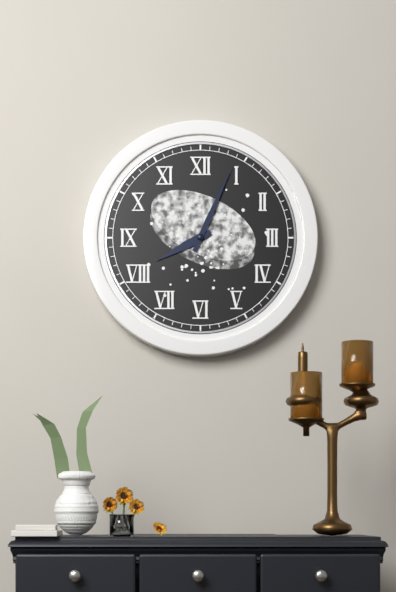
8:04
